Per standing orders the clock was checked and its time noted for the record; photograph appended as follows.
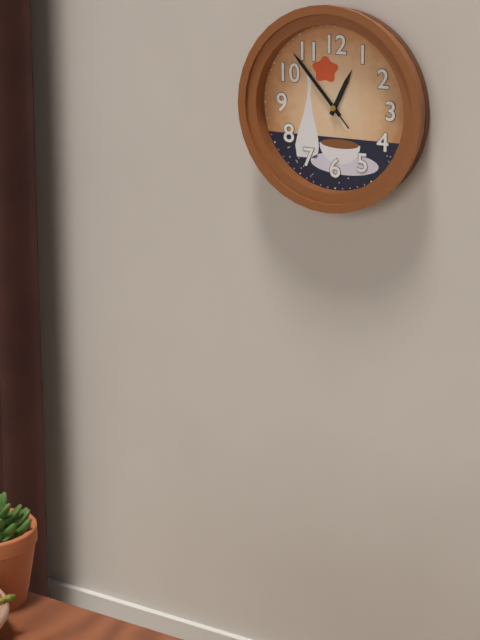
12:53:53
